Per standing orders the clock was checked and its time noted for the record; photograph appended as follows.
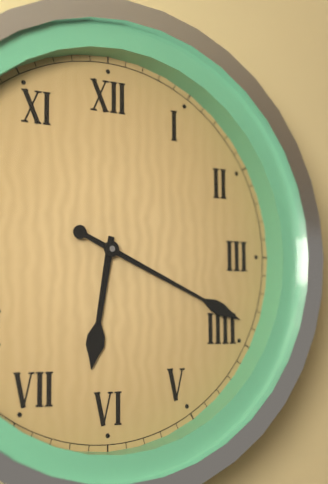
6:19
